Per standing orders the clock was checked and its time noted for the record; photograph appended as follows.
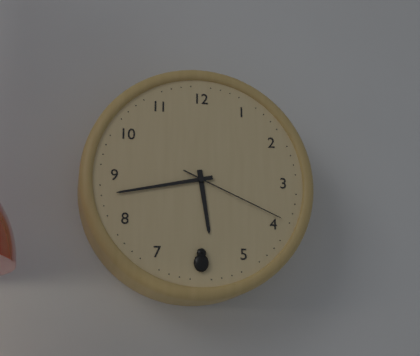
5:43:19
